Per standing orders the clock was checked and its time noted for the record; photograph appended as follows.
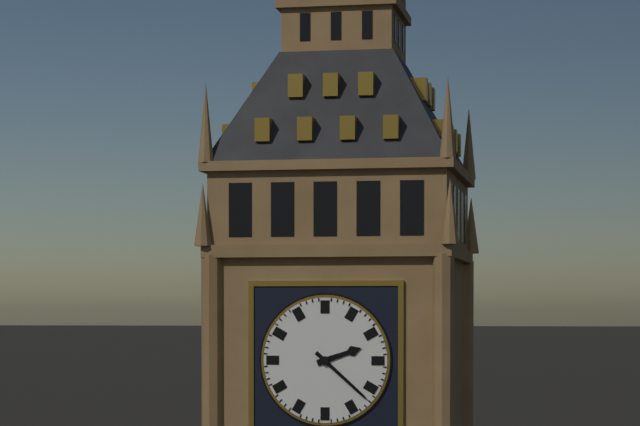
2:22
